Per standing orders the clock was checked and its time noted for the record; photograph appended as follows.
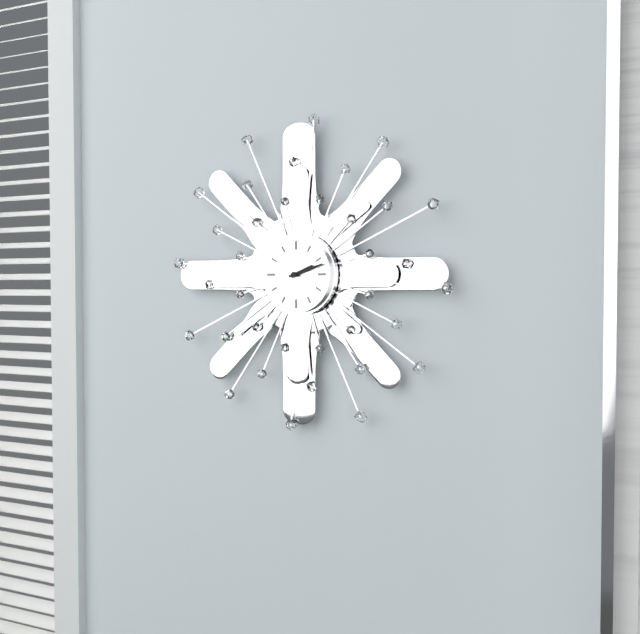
2:12
